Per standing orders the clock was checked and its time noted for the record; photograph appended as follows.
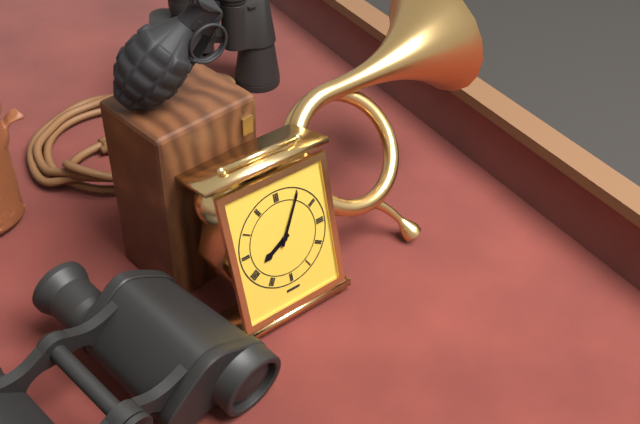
8:05
